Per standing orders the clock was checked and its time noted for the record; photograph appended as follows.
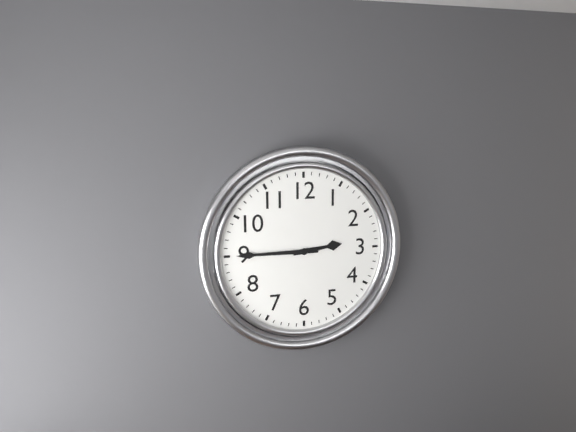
2:45
